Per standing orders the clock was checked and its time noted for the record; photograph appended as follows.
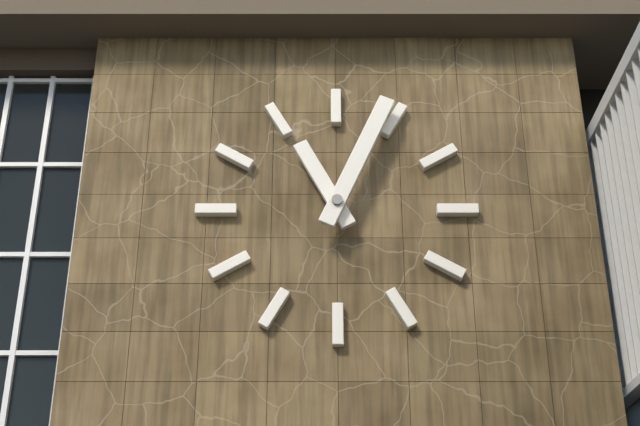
11:04
